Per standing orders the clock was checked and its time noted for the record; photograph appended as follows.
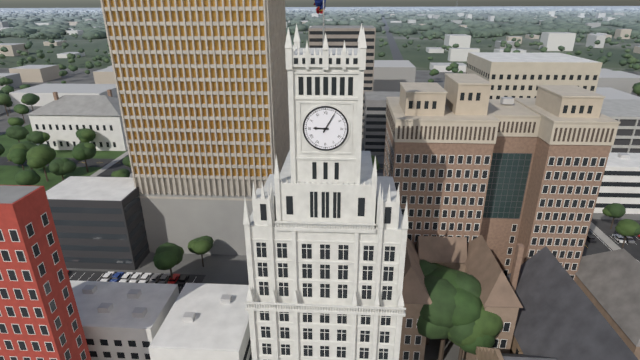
9:05
